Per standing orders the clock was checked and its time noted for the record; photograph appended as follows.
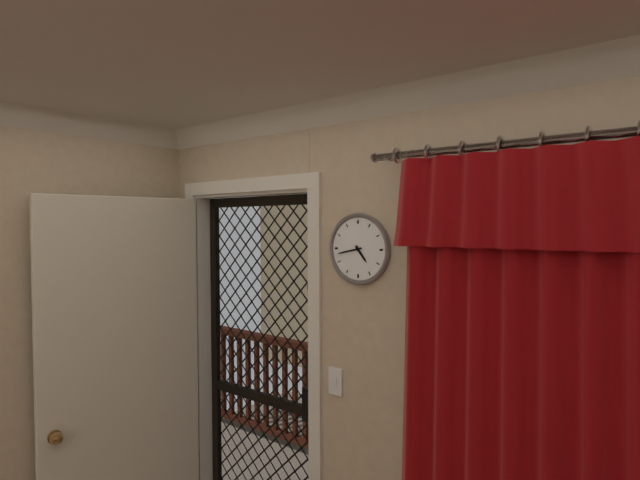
4:43
